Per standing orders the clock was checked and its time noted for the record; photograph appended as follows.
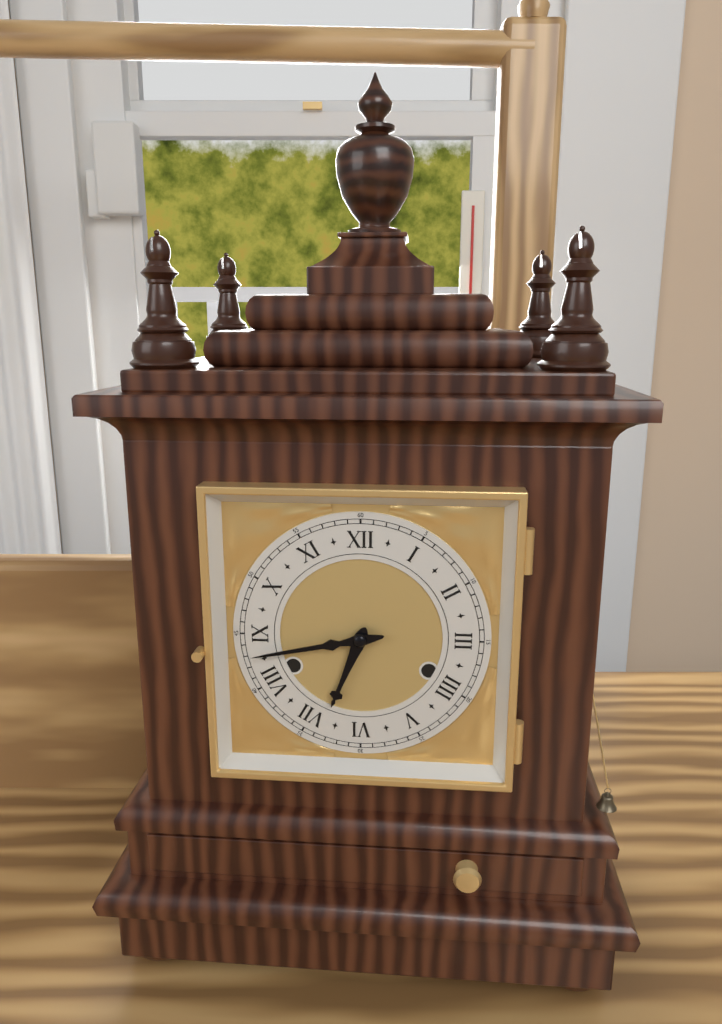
6:43
